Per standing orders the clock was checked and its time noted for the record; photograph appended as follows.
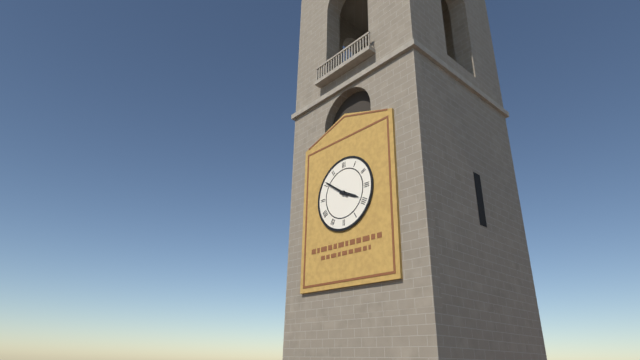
3:51
